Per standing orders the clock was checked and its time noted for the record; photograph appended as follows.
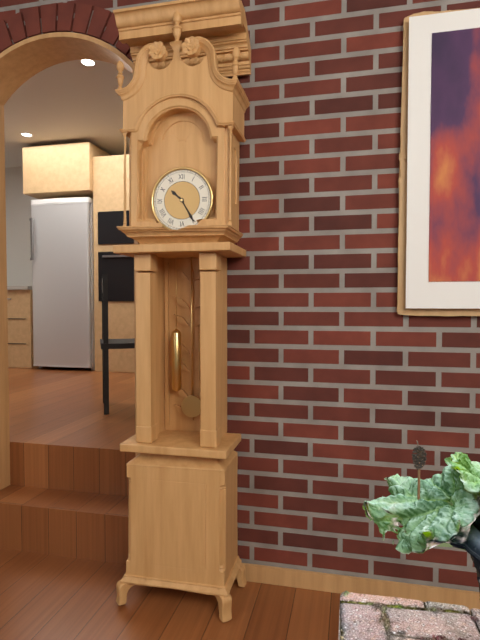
10:25
